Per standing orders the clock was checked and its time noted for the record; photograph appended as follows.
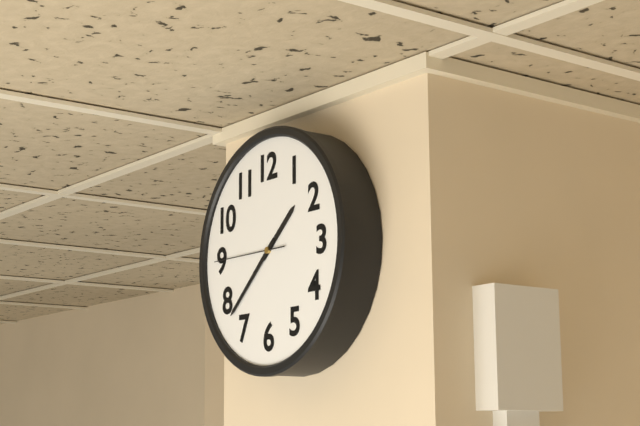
1:38:45
